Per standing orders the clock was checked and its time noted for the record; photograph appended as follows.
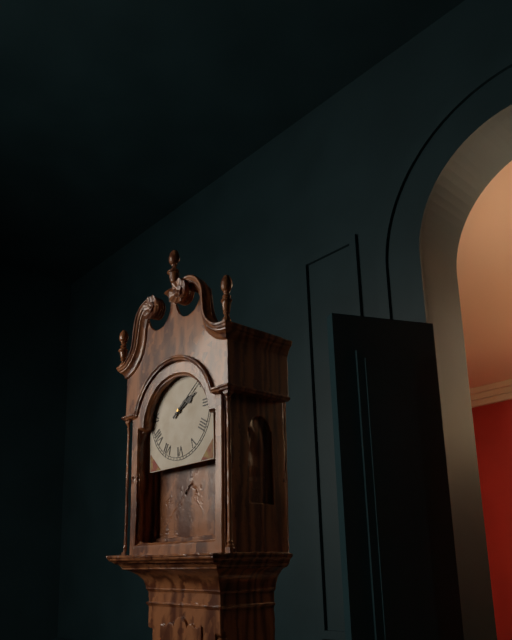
2:09
